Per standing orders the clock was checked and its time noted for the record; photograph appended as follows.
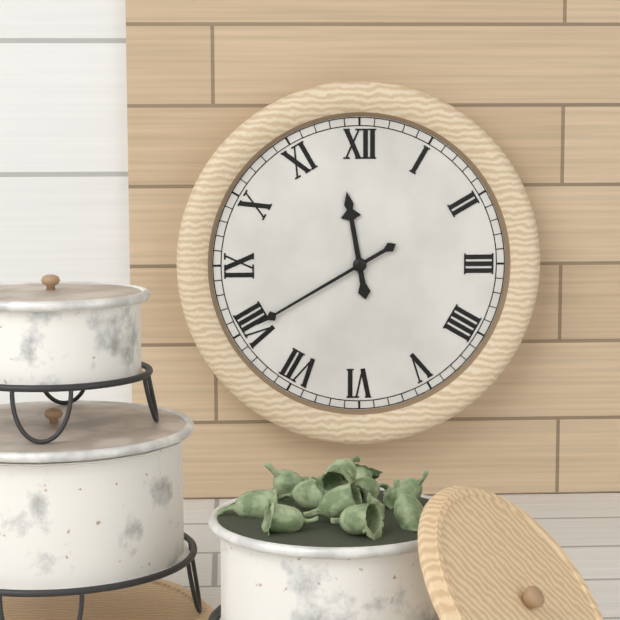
11:40
